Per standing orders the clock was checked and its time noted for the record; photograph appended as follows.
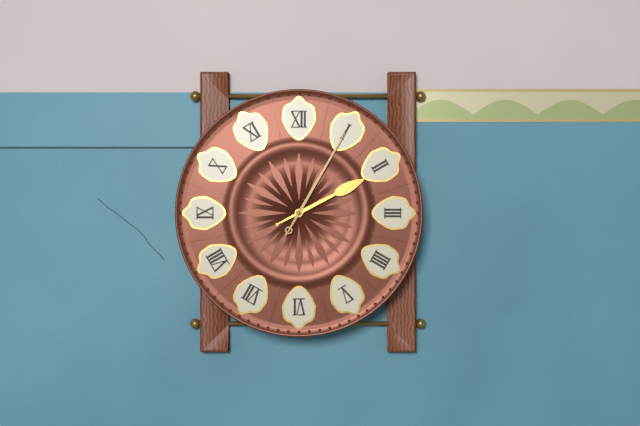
2:05
